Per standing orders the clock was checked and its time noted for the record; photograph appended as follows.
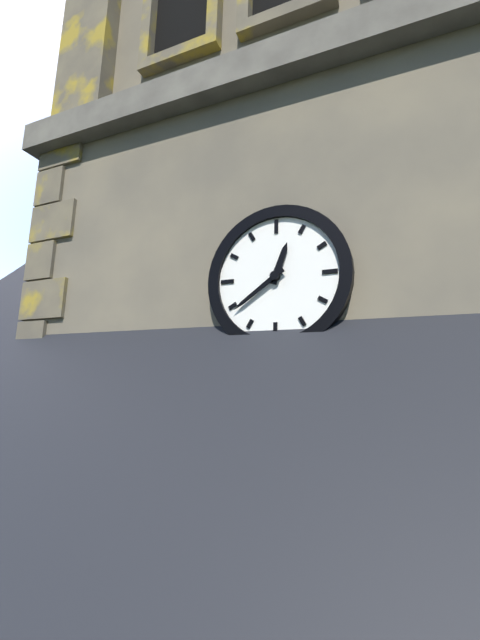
12:39
